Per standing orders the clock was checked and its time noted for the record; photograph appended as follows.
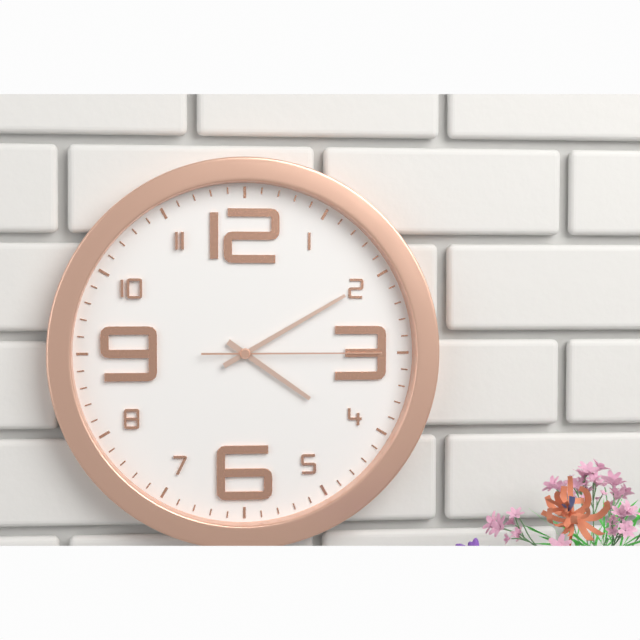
4:10:15
